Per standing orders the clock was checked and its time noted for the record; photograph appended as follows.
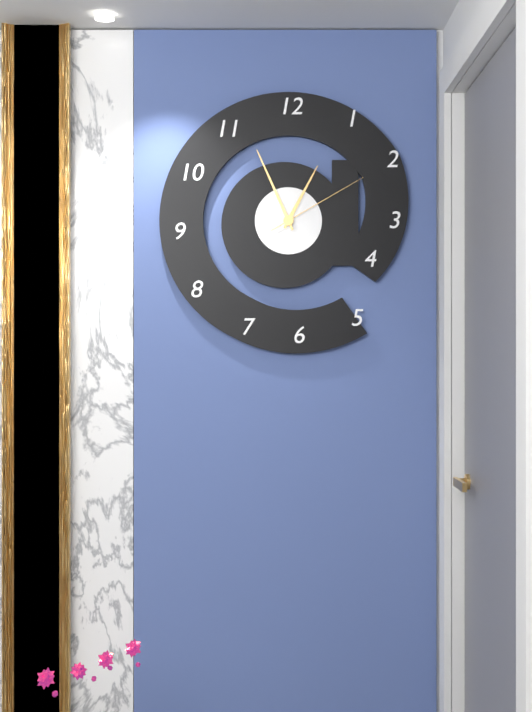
12:56:10
